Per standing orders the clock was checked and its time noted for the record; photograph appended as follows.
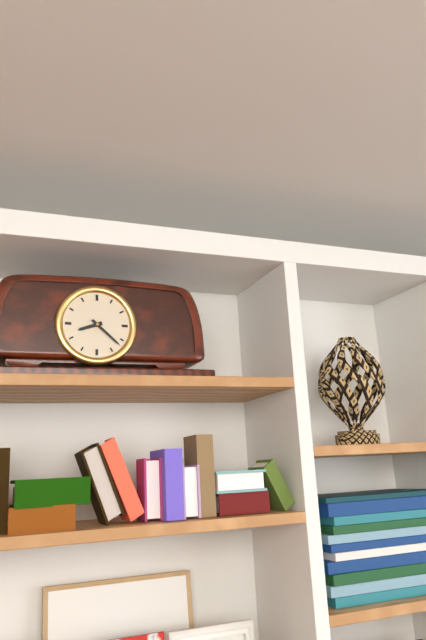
8:22
